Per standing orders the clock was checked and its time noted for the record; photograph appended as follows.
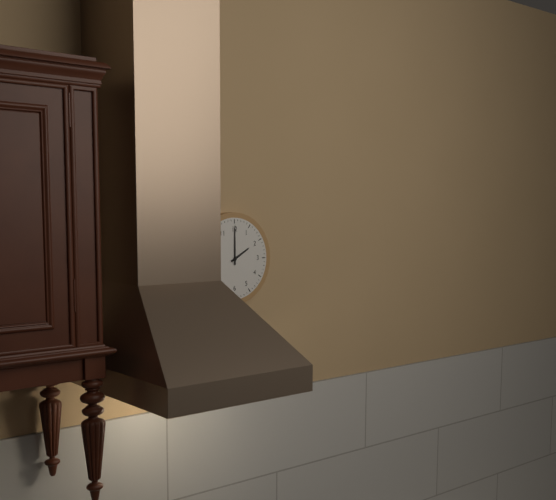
2:00
